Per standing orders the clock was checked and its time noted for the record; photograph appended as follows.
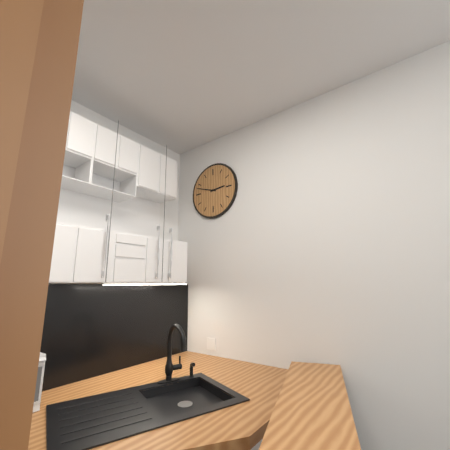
2:48
